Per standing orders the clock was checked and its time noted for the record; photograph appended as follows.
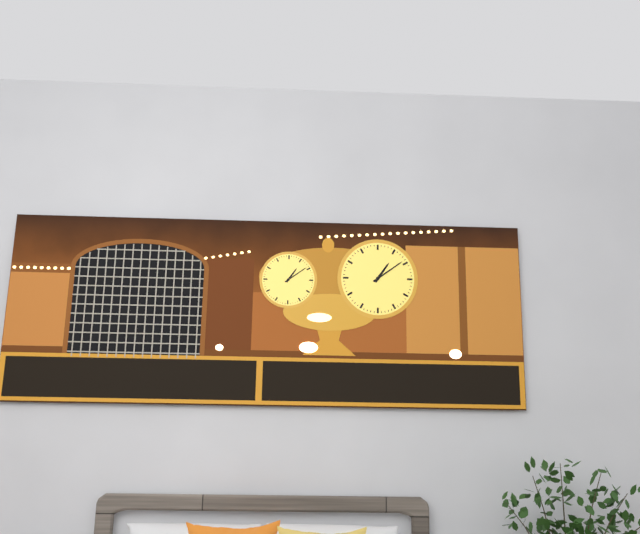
1:09
